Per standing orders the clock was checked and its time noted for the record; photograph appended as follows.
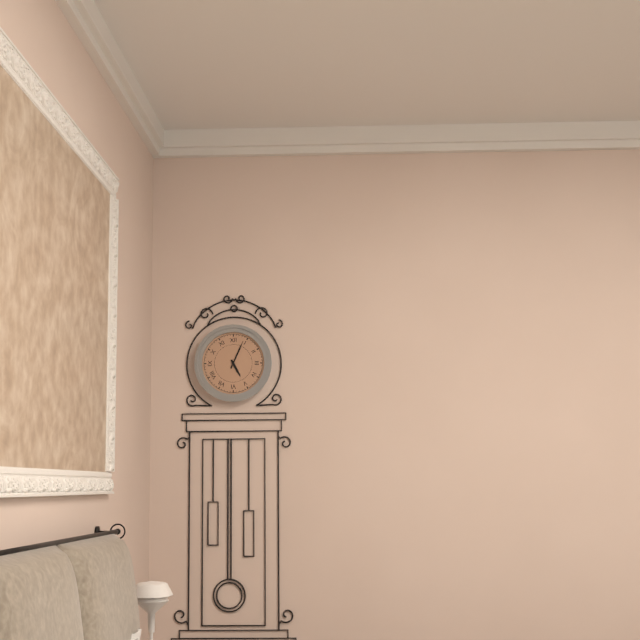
5:04
